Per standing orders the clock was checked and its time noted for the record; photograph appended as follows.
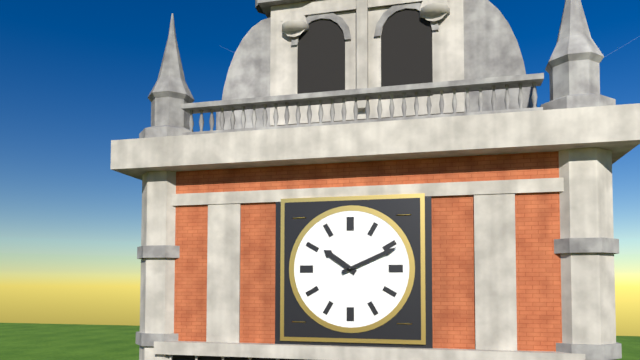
10:11
